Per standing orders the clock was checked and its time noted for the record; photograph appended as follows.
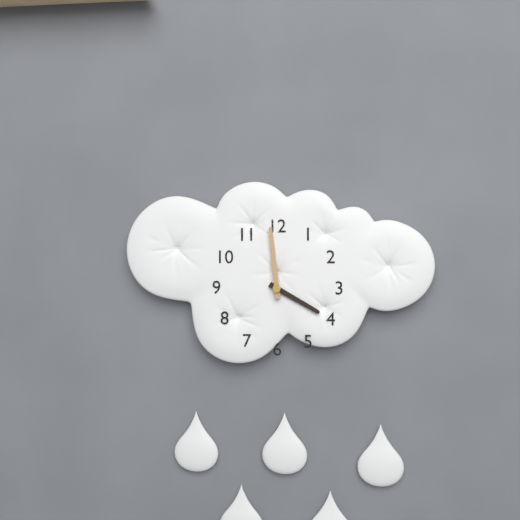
3:59
